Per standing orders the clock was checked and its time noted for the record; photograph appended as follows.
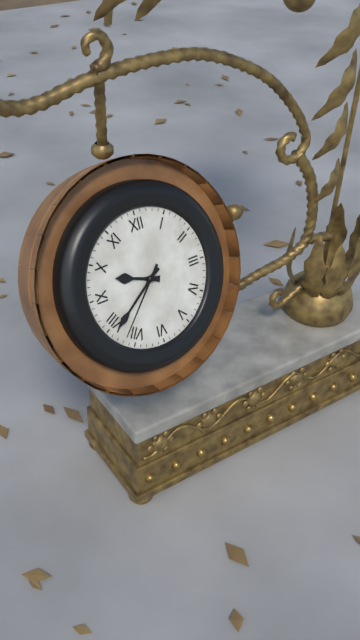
9:39:37
